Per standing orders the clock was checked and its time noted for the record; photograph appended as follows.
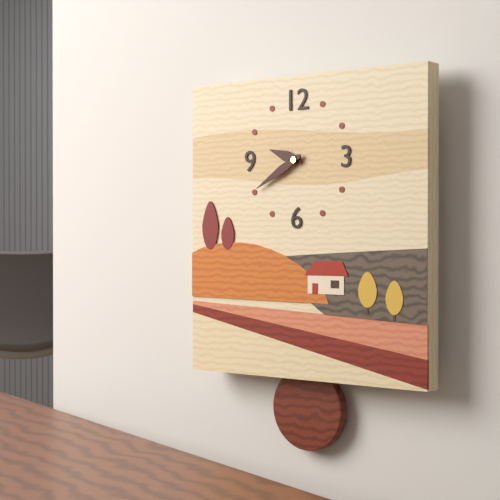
9:40
